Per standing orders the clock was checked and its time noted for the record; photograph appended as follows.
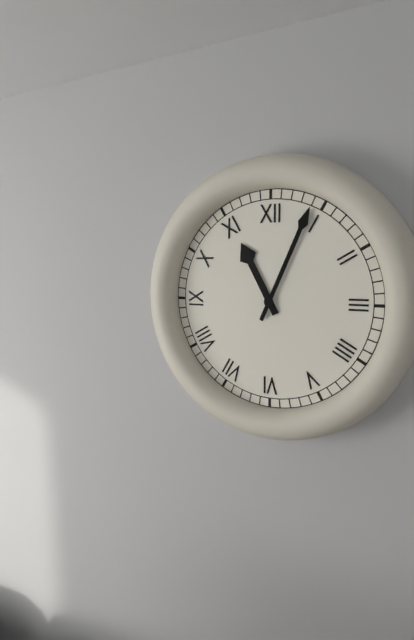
11:04
